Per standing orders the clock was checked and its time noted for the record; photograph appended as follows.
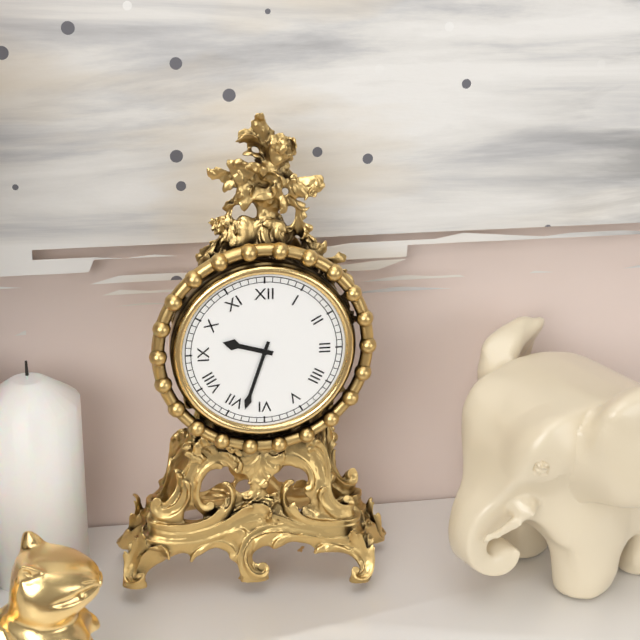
9:33
